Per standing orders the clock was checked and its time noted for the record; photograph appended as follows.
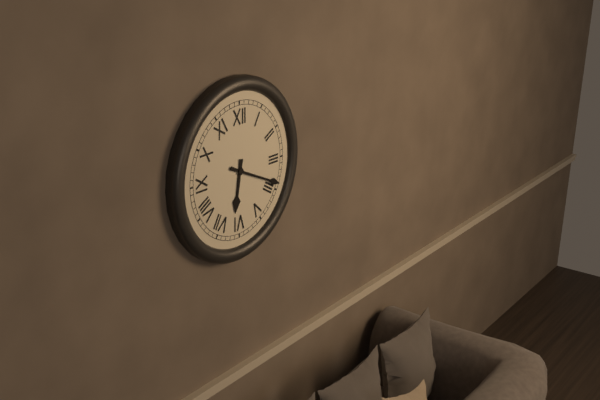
6:19
